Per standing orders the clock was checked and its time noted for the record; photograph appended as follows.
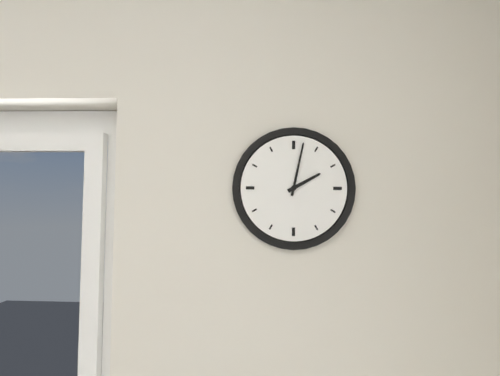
2:02
